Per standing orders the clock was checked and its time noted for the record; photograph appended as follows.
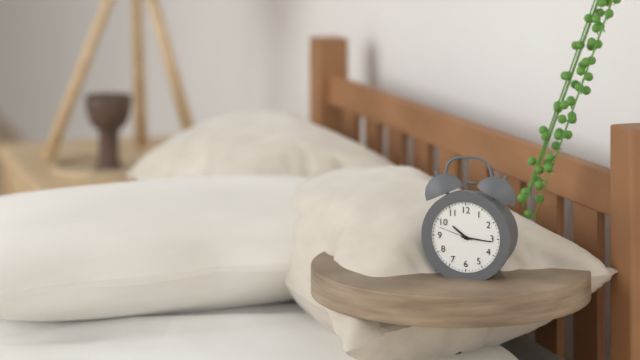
10:16
